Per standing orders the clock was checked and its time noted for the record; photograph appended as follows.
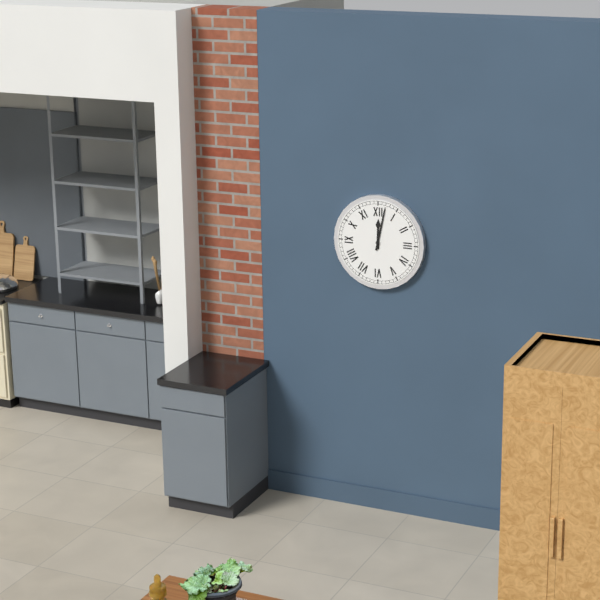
12:02
